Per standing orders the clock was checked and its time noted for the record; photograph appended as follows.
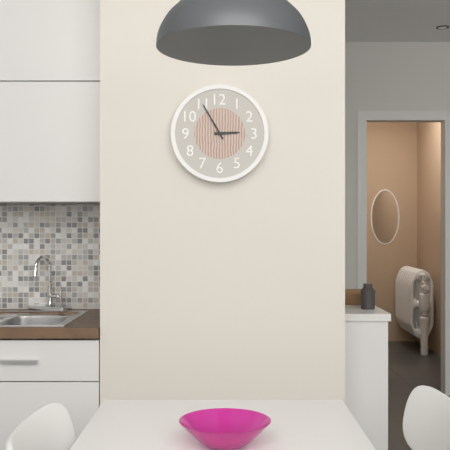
2:55
